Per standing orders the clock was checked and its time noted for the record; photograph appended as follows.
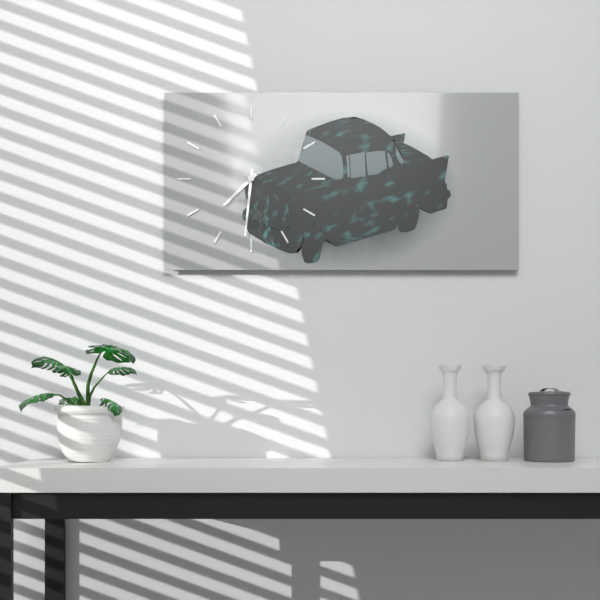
7:31
